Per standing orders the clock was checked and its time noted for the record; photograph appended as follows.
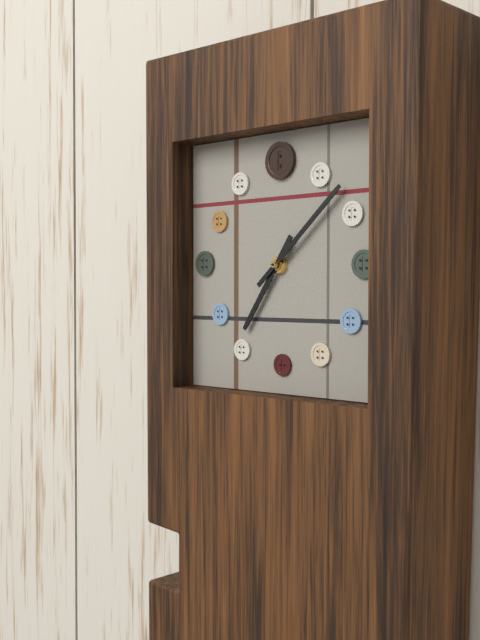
7:08
